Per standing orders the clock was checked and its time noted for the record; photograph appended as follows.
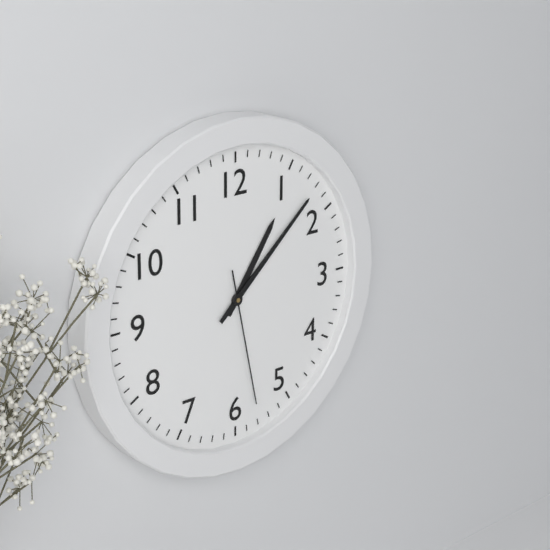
1:08:28
